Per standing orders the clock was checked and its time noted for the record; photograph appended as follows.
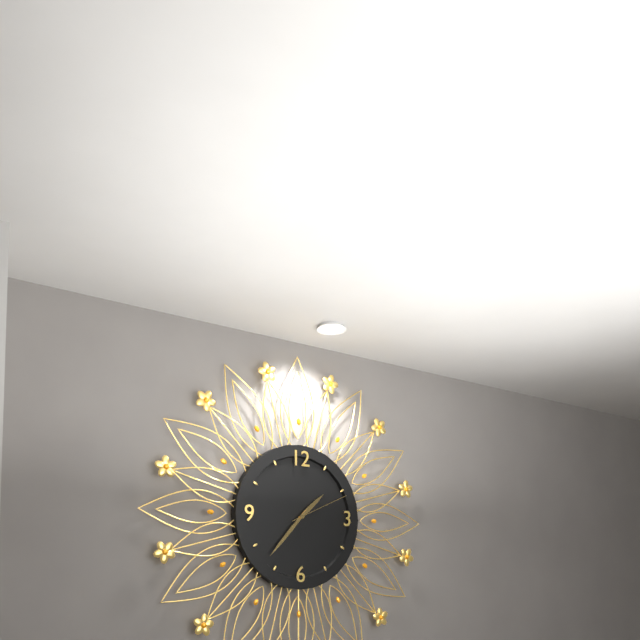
1:37:11
